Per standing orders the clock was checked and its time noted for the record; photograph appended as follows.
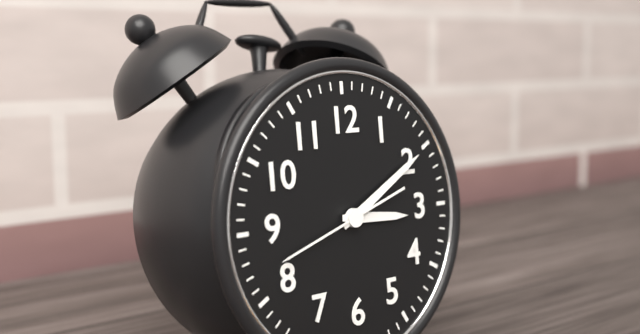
3:10:42
